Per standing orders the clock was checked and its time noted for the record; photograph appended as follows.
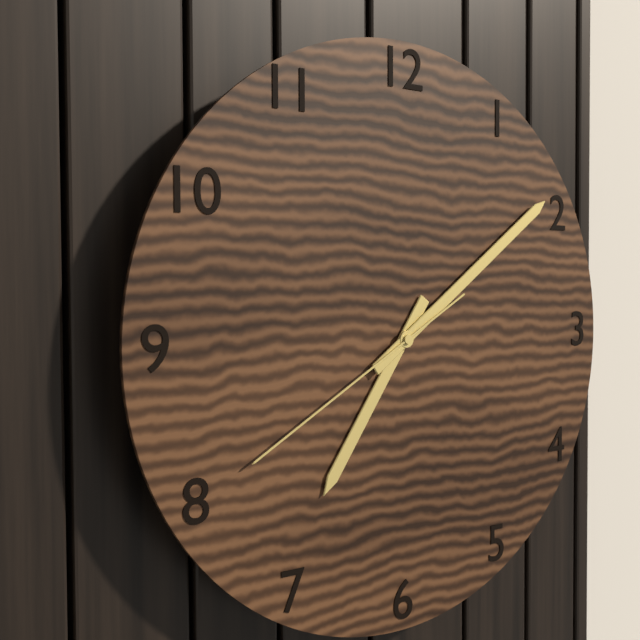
7:09:40
